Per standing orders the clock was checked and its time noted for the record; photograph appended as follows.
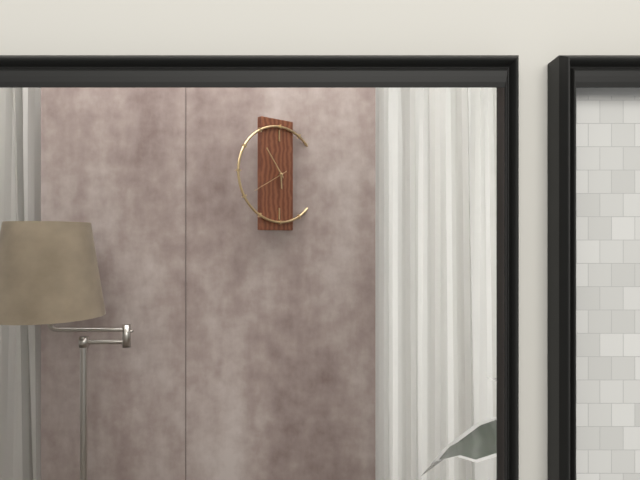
5:54
